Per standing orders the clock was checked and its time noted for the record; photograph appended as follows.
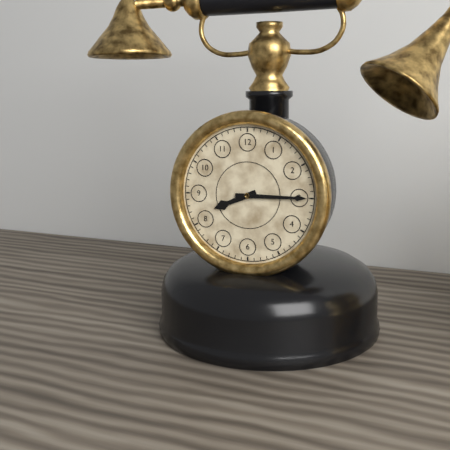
8:15
